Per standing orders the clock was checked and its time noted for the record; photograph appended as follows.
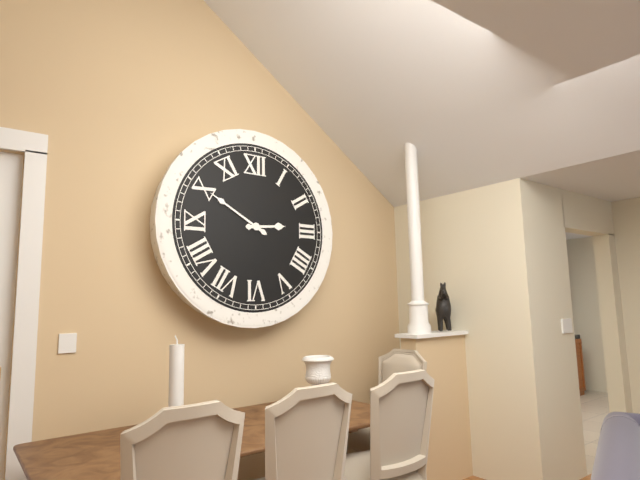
2:50
